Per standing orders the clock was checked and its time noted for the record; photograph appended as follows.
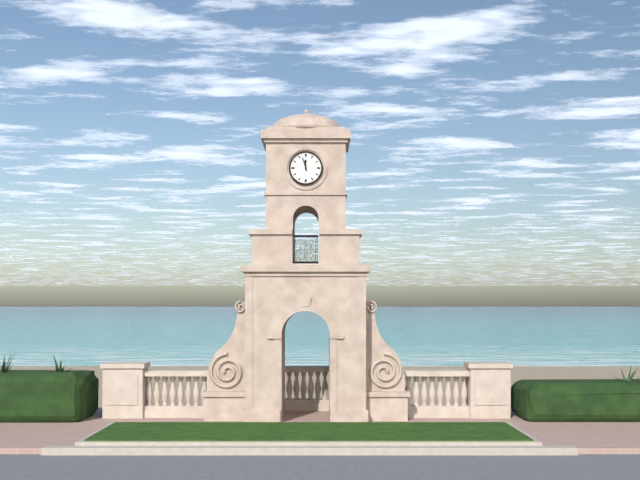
11:57
